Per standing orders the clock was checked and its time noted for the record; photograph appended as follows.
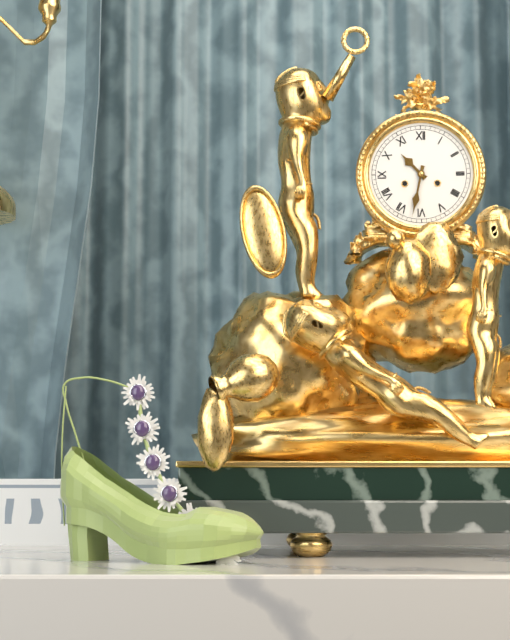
10:32
